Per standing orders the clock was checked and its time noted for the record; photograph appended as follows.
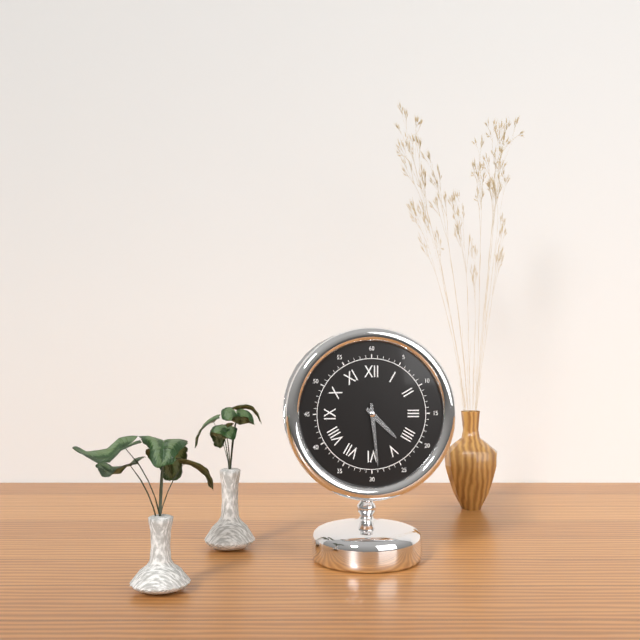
4:29
